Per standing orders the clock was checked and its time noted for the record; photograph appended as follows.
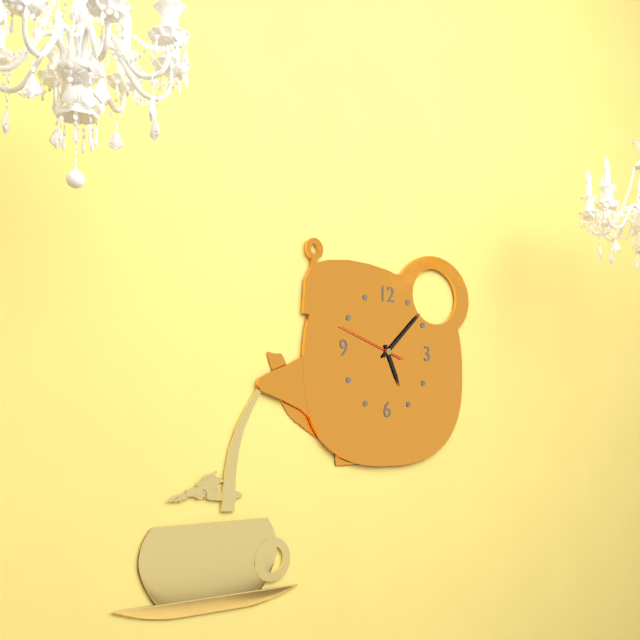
5:08:48
